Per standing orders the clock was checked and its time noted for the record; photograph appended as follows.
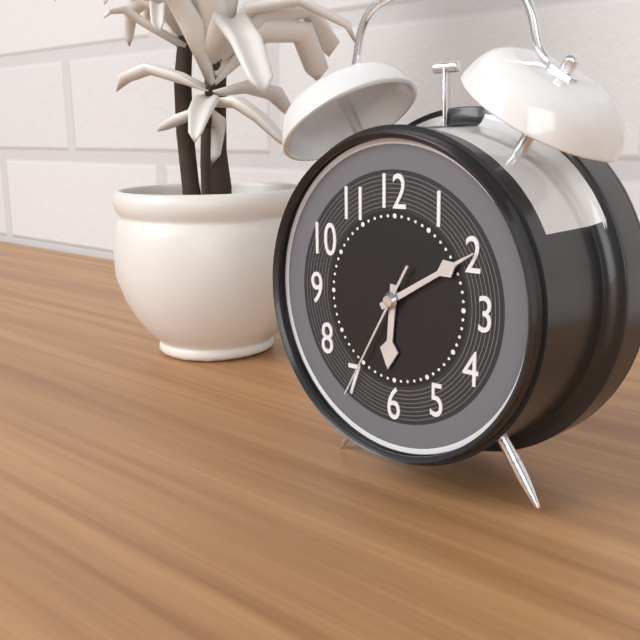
6:10:35
